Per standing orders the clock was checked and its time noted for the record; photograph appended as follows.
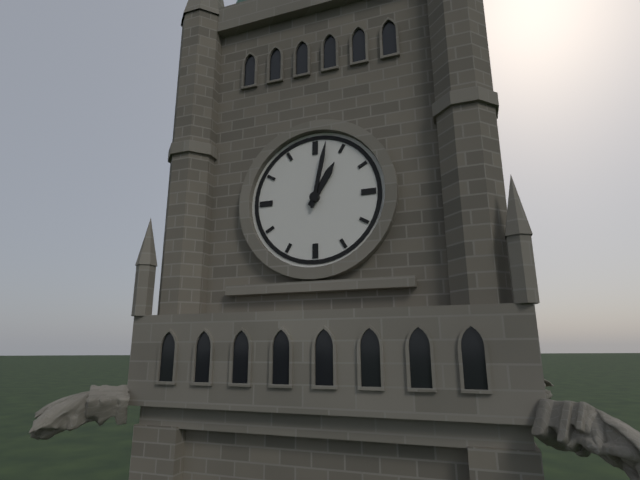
1:02
